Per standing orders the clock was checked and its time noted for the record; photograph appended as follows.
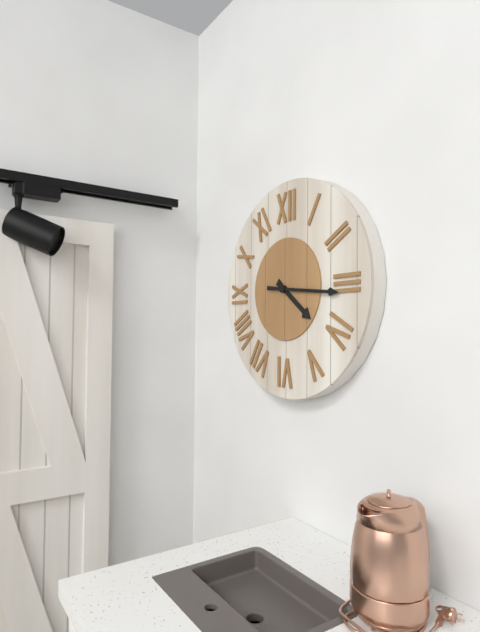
4:16
